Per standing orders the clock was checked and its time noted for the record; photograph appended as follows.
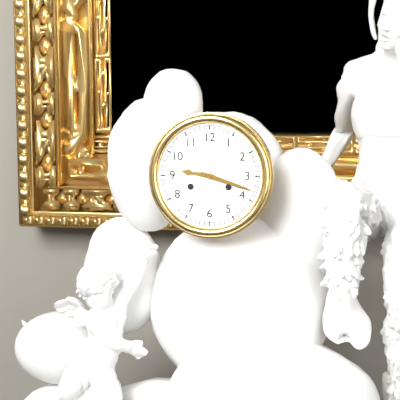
9:18
